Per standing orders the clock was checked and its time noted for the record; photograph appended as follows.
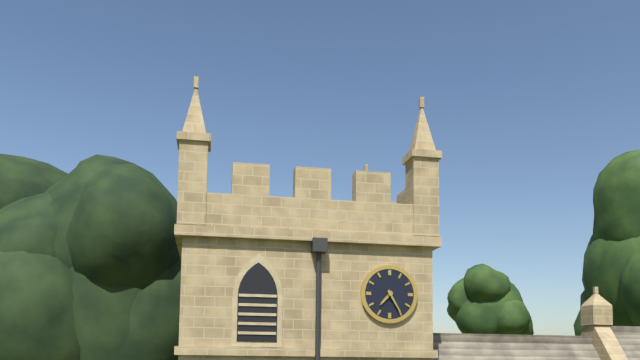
7:25
